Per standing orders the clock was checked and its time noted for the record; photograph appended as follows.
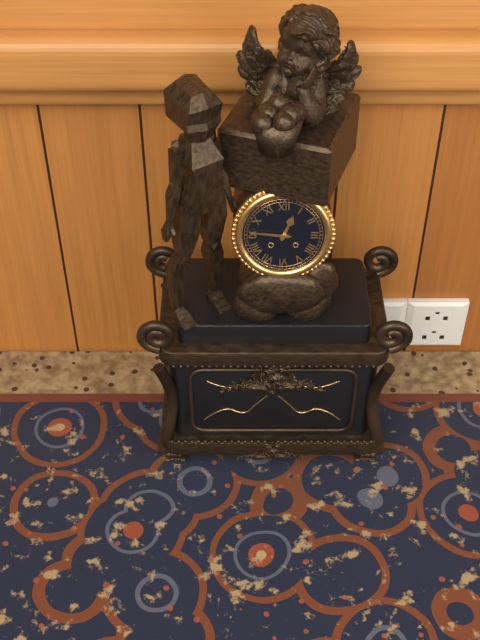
12:46
